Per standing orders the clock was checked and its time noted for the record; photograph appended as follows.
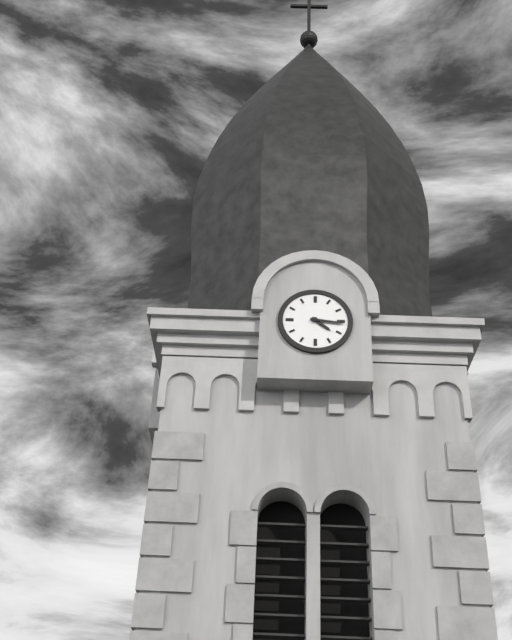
4:16
